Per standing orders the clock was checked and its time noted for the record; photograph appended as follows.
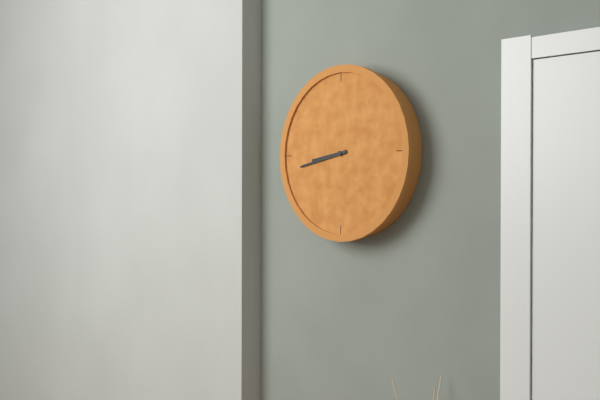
8:43
